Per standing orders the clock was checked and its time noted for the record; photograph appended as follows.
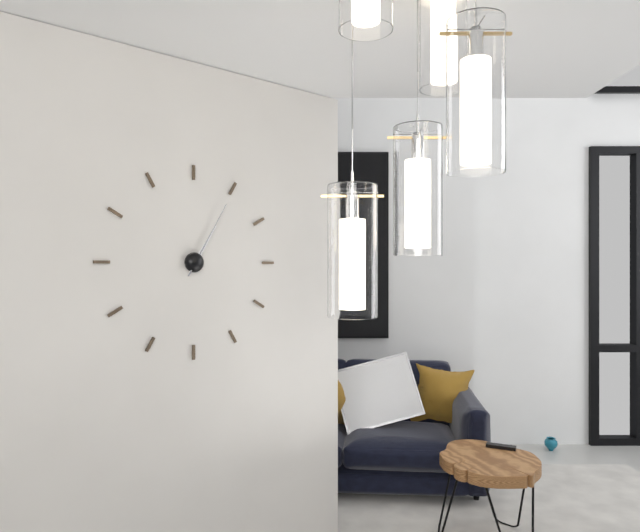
1:05
